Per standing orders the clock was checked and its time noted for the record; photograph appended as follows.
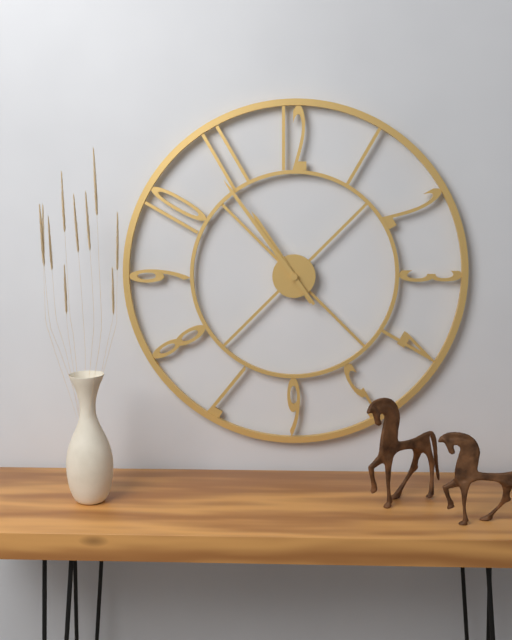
10:54
